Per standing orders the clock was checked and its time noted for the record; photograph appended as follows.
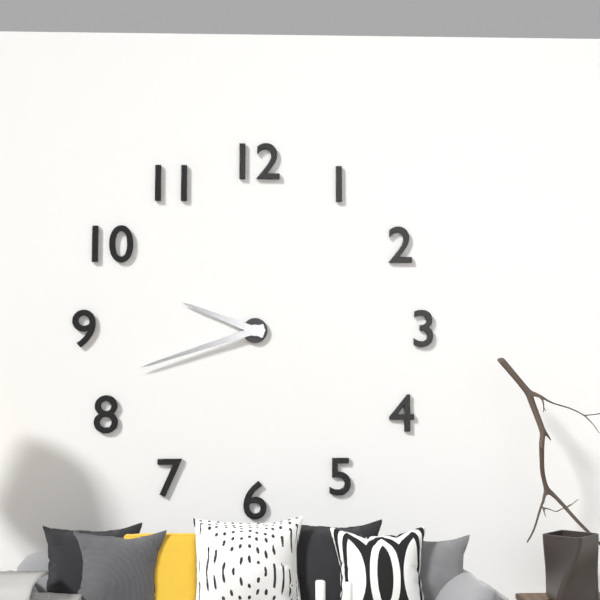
9:42
